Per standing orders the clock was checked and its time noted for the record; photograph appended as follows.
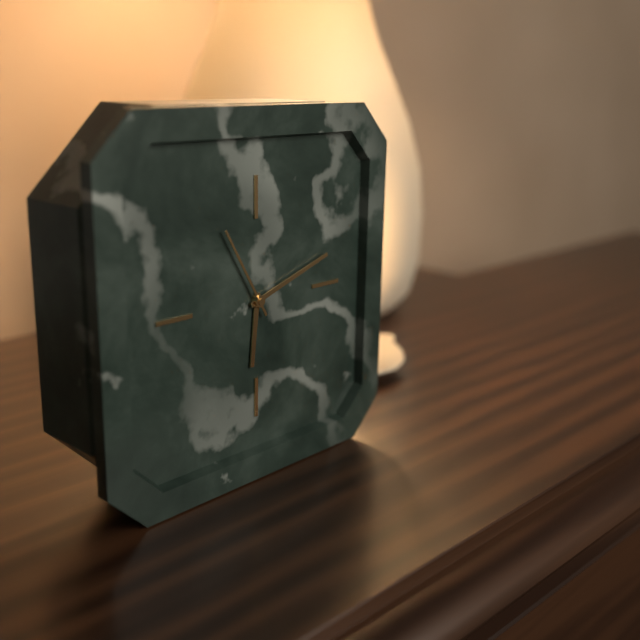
6:12:55
